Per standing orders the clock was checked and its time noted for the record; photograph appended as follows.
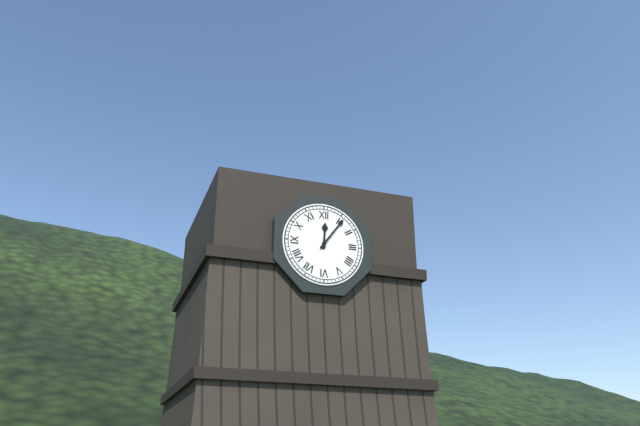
12:06
